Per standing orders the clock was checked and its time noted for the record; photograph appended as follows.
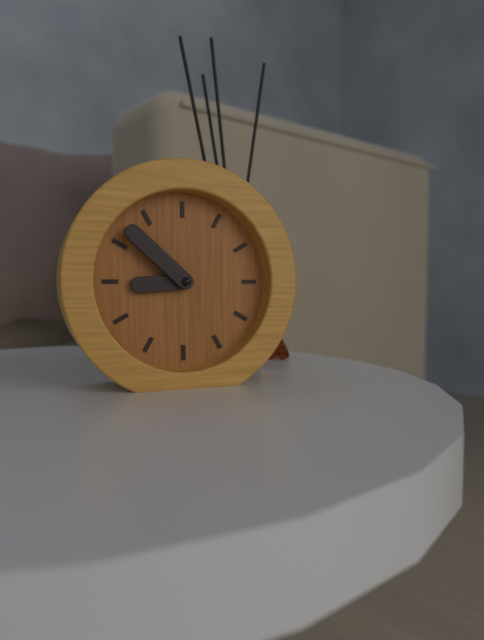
8:52
